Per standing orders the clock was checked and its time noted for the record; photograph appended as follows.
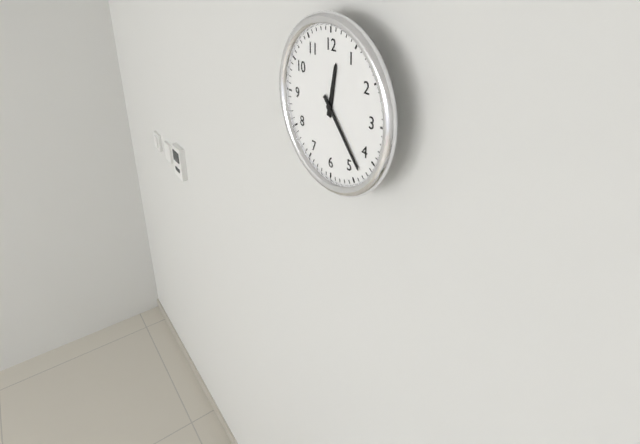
12:23
